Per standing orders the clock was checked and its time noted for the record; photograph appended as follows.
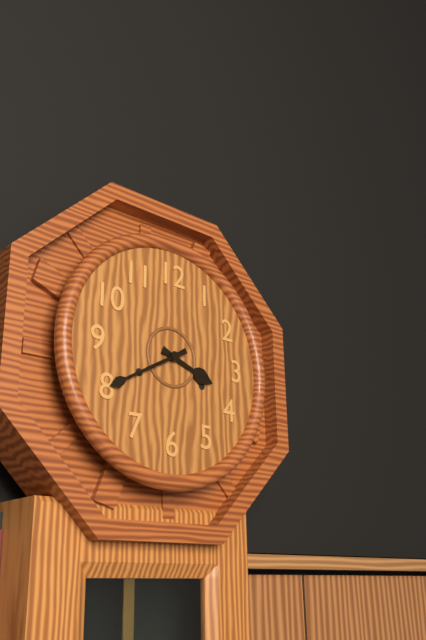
3:40
